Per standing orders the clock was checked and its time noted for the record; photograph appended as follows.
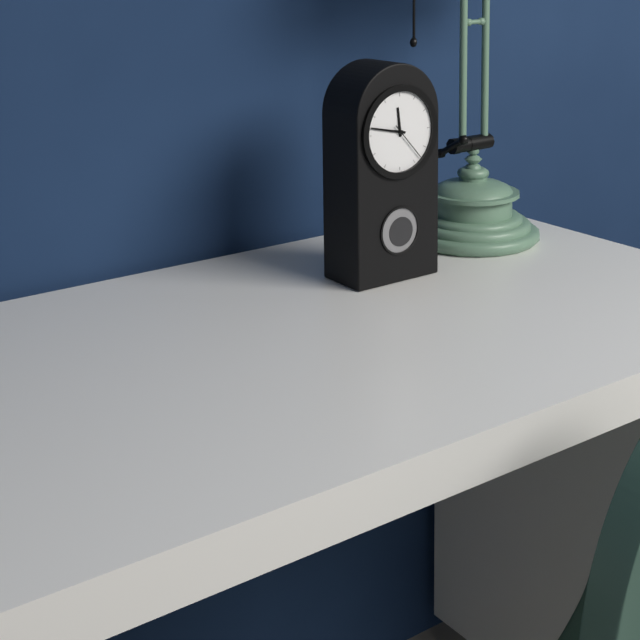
11:47
